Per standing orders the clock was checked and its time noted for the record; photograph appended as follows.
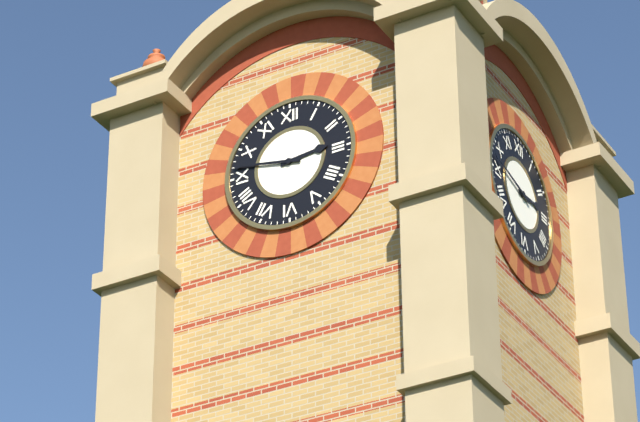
2:47
